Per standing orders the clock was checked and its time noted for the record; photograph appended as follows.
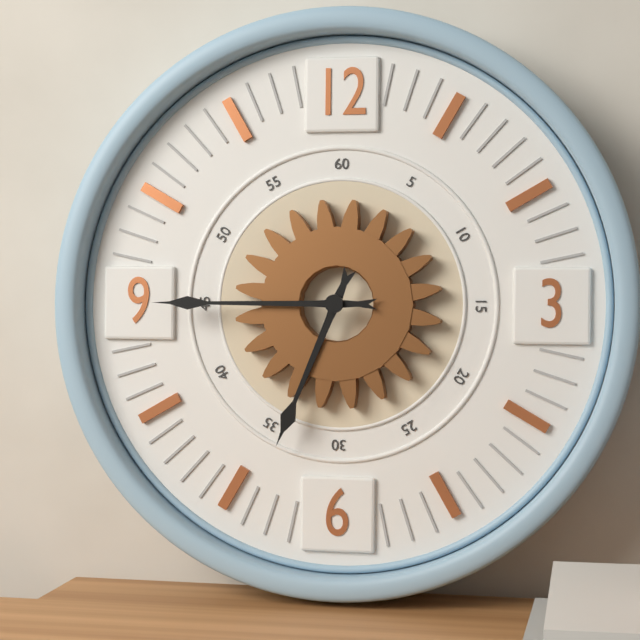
6:45
